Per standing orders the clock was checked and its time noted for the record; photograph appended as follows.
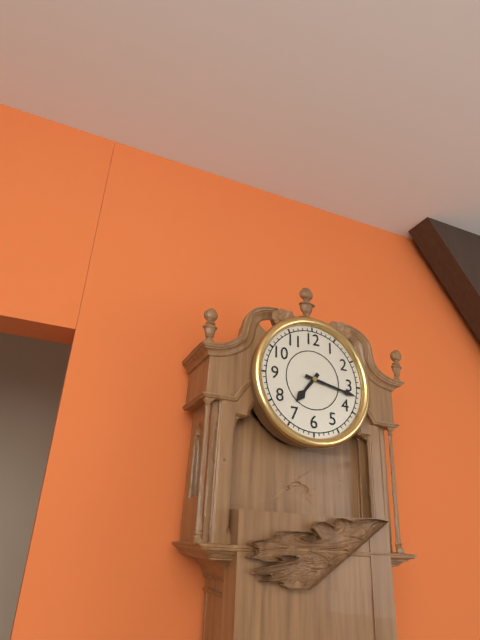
7:17
